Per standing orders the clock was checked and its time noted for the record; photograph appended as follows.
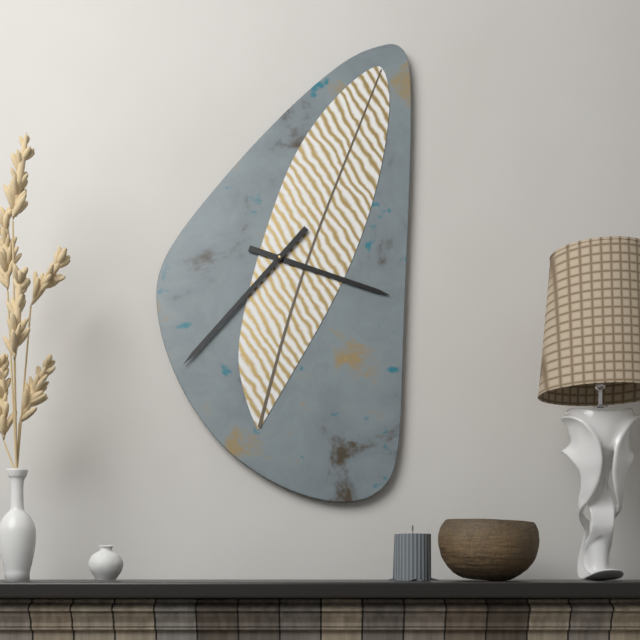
3:37
